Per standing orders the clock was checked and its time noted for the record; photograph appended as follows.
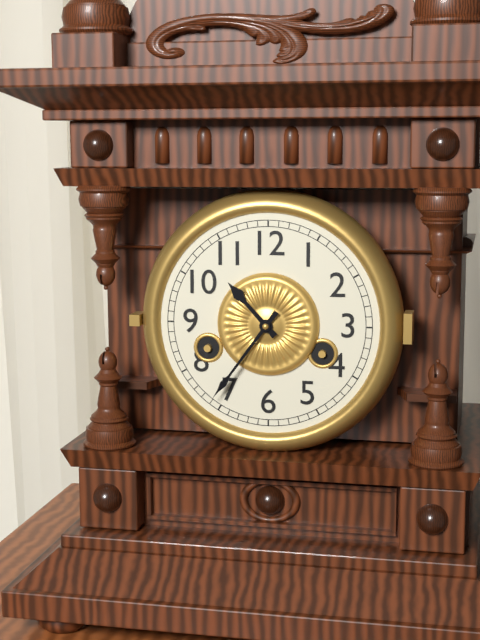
10:36
